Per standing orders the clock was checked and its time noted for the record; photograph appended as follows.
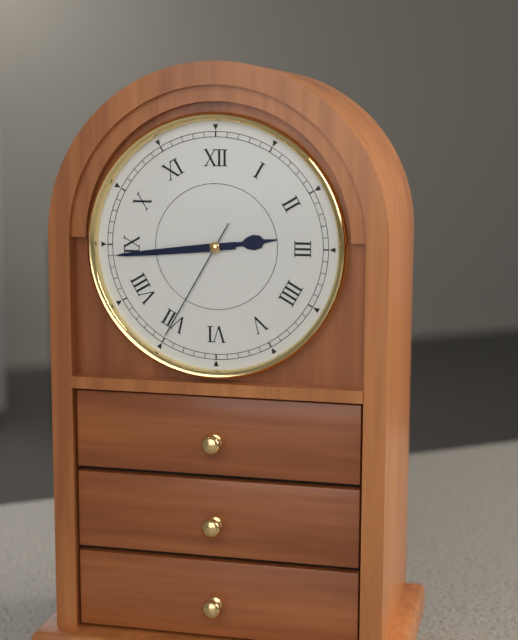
2:44:35
